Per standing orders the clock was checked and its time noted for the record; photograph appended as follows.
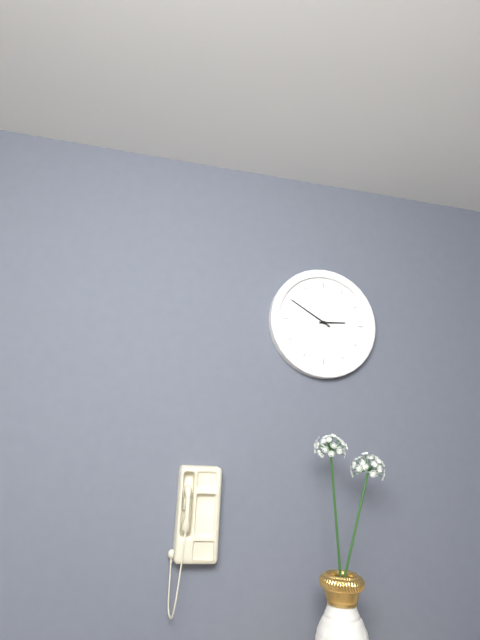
2:50
